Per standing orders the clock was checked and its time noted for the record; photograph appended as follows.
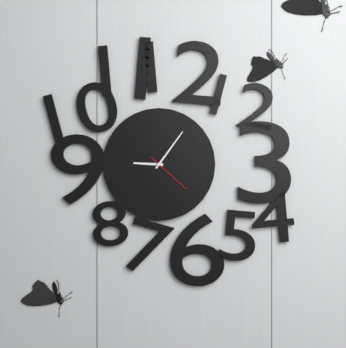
9:06
